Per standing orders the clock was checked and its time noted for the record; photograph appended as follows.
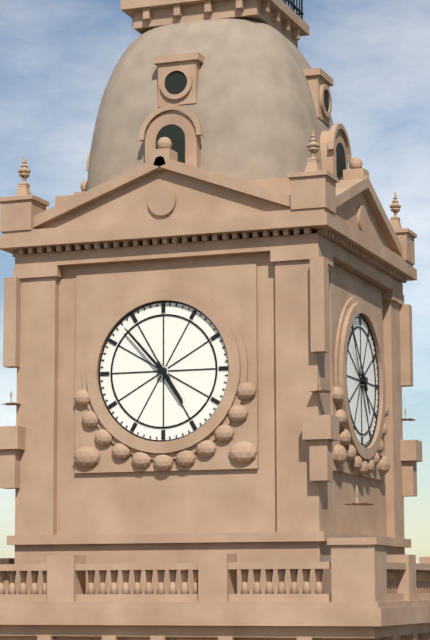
4:53
